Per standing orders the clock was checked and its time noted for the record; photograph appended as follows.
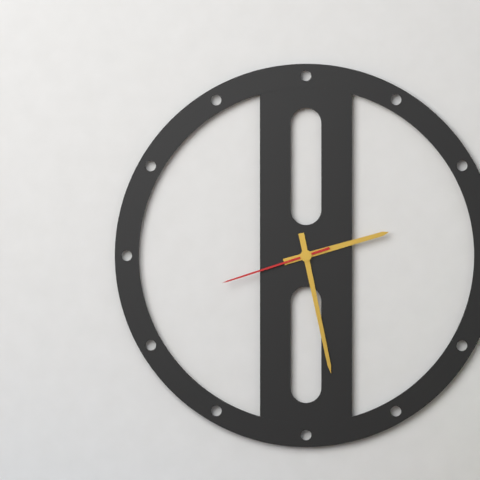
2:28:42
